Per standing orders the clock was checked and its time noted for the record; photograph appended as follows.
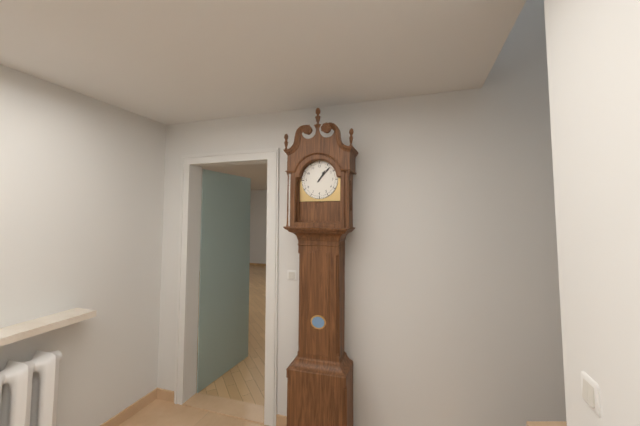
1:07
